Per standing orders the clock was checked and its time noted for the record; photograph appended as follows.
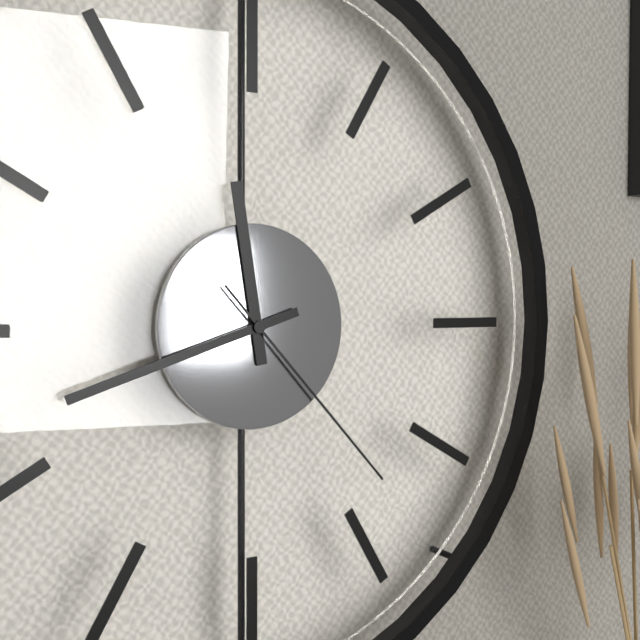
11:42:23
